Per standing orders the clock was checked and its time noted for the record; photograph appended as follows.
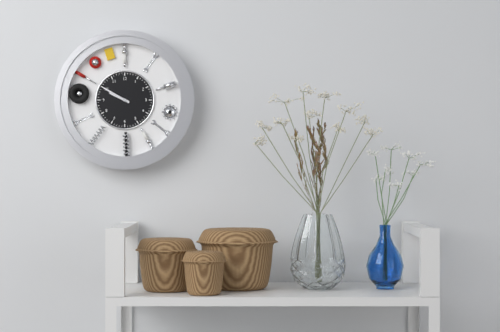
9:50
